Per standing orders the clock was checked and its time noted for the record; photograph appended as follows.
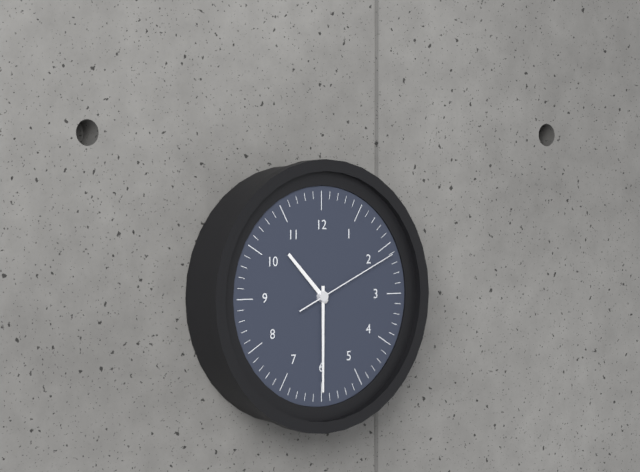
10:30:11
